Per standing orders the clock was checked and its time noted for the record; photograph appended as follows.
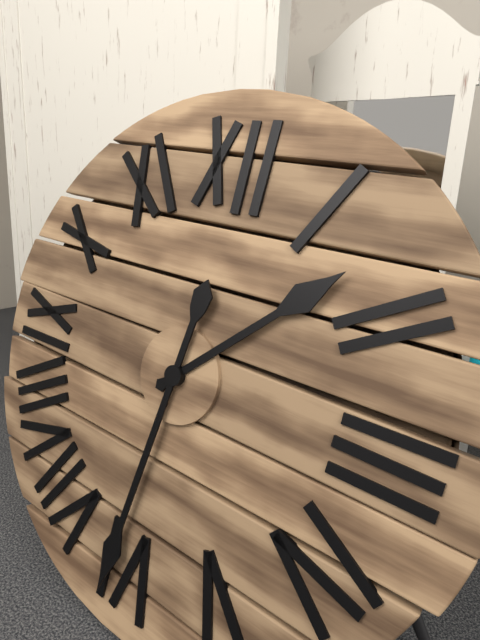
1:31
